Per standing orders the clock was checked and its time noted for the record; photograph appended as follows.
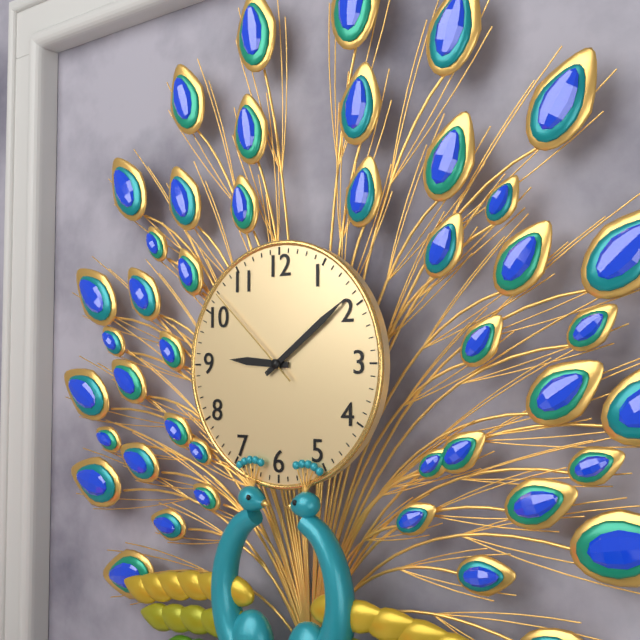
9:09:52
